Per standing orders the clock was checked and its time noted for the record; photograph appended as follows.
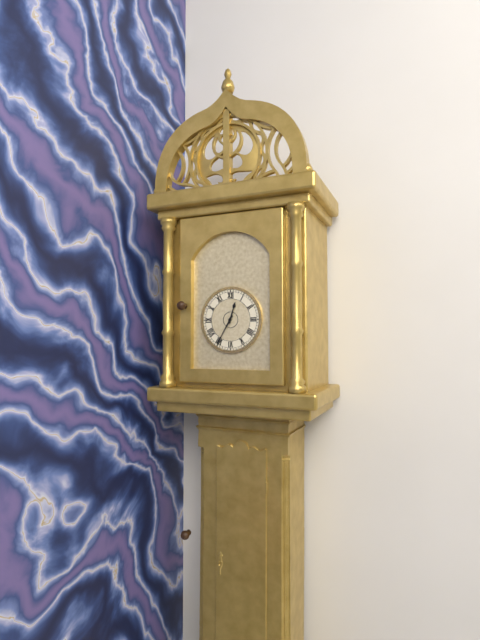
12:35
